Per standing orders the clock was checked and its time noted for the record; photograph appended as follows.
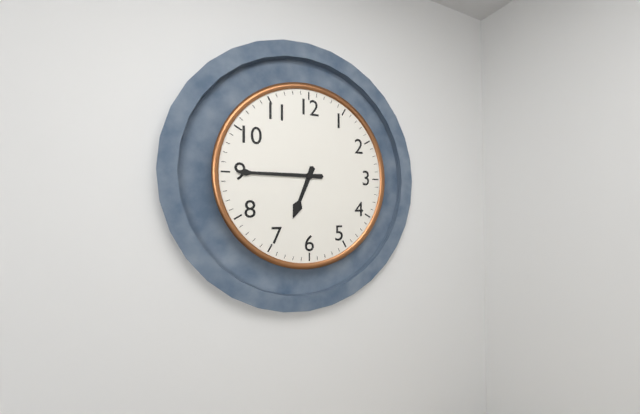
6:45
